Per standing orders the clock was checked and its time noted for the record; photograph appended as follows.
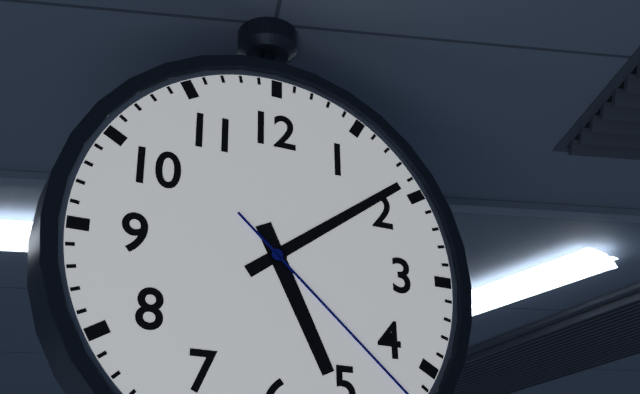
5:09
